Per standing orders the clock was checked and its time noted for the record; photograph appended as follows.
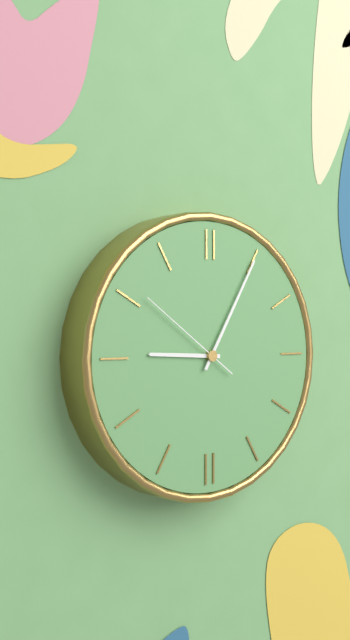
9:05:51
